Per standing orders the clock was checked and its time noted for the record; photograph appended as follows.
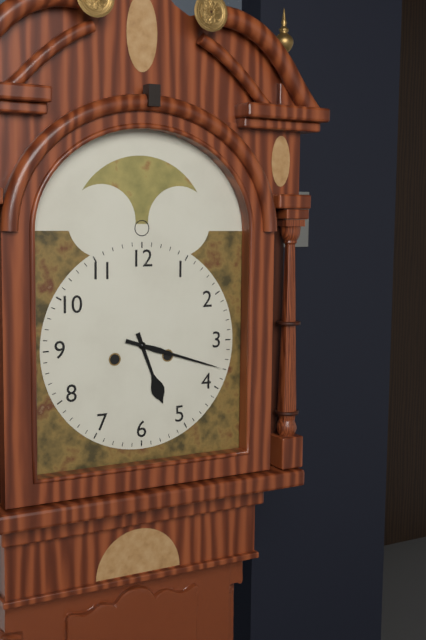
5:18
